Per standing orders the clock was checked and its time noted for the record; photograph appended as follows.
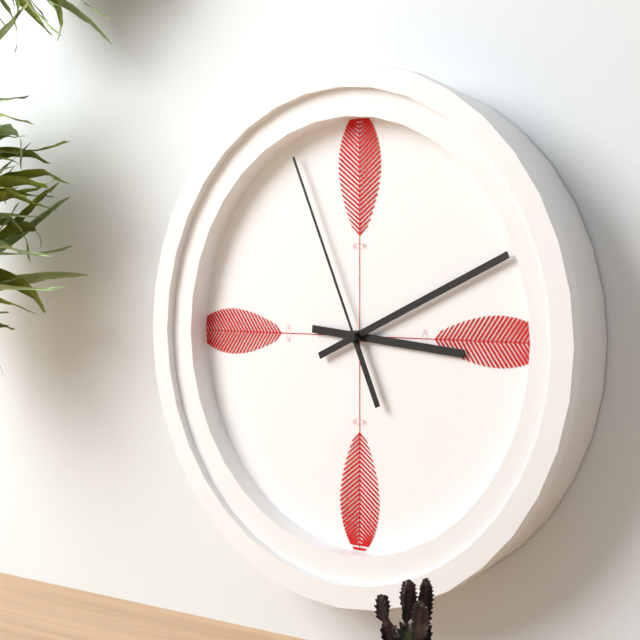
3:11:56
